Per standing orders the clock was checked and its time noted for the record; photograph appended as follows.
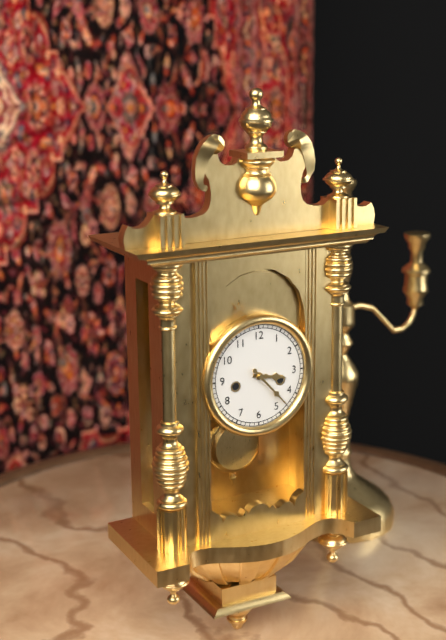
3:23
